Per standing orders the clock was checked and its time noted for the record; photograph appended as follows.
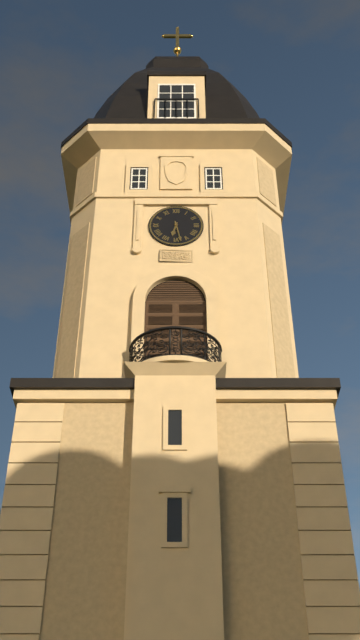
6:28
